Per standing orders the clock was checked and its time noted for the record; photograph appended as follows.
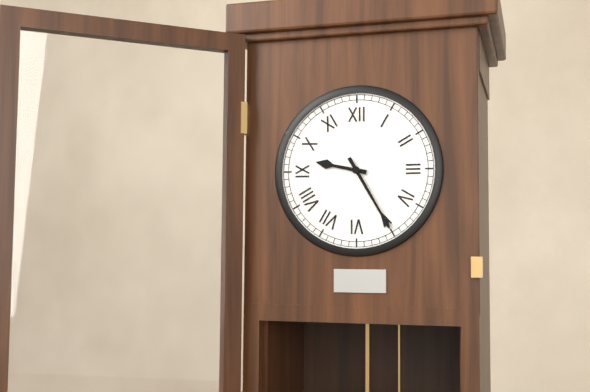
9:25
